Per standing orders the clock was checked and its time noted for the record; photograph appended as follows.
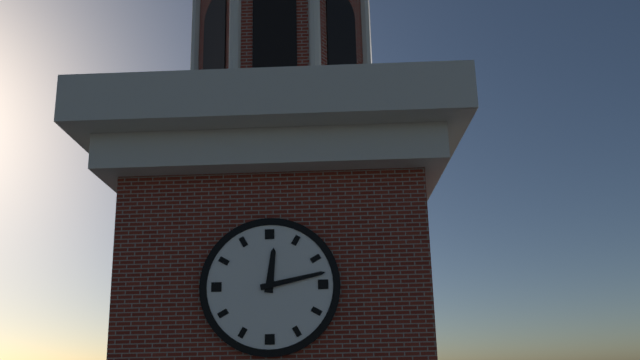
12:13
